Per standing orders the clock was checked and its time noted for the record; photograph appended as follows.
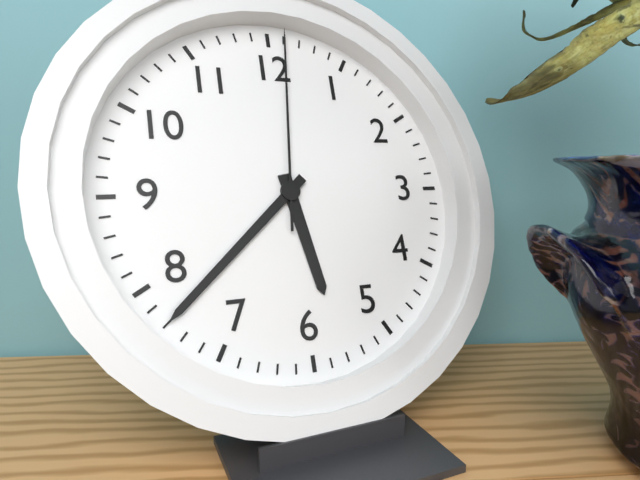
5:38:01
